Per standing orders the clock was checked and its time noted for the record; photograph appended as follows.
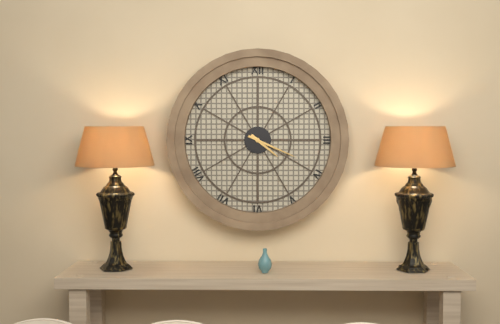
4:19
